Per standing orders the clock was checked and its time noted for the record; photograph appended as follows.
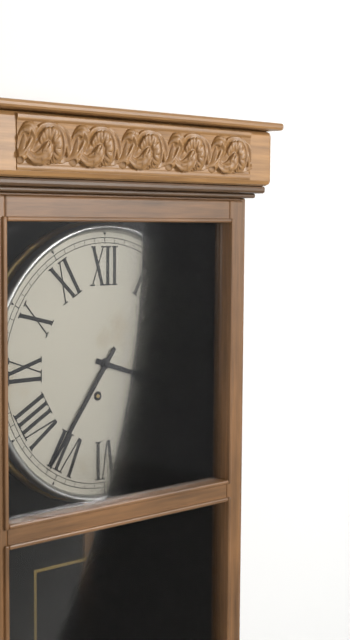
3:36
